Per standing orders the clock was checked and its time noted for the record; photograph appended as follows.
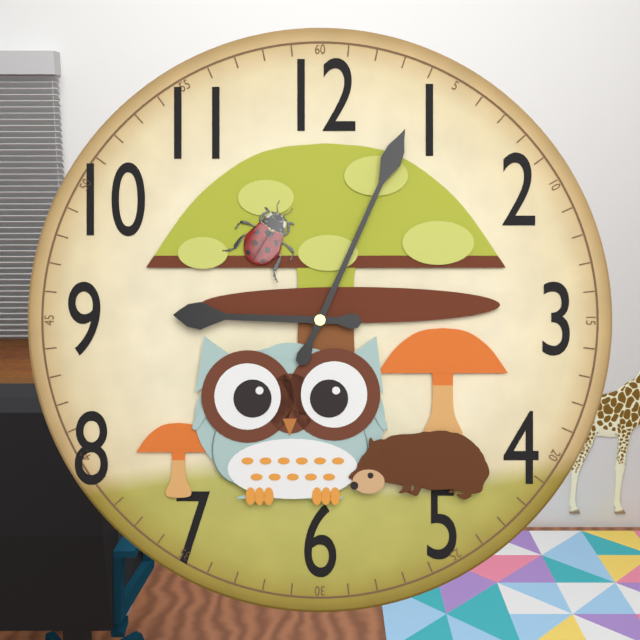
9:04
